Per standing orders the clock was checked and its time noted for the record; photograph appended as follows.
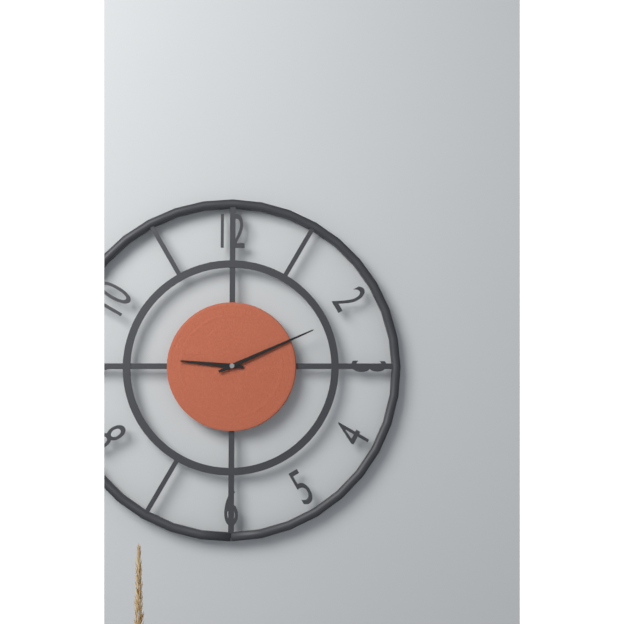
9:11
